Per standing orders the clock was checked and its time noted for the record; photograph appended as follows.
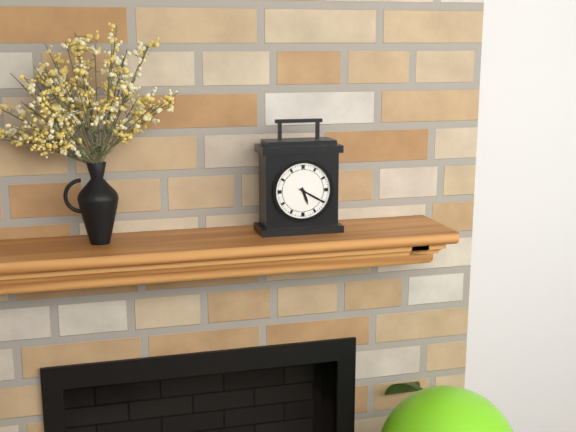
5:20
